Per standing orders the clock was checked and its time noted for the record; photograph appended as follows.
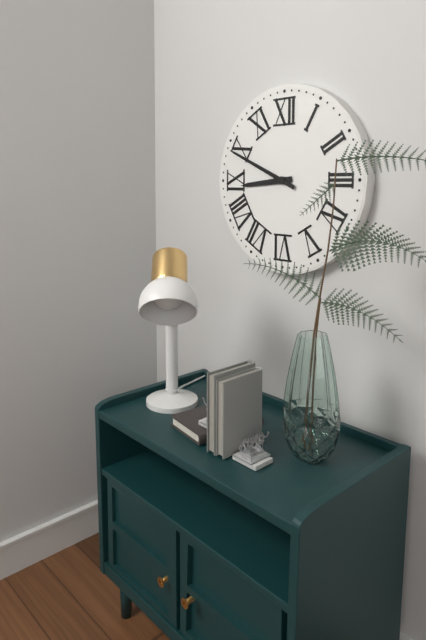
8:49
